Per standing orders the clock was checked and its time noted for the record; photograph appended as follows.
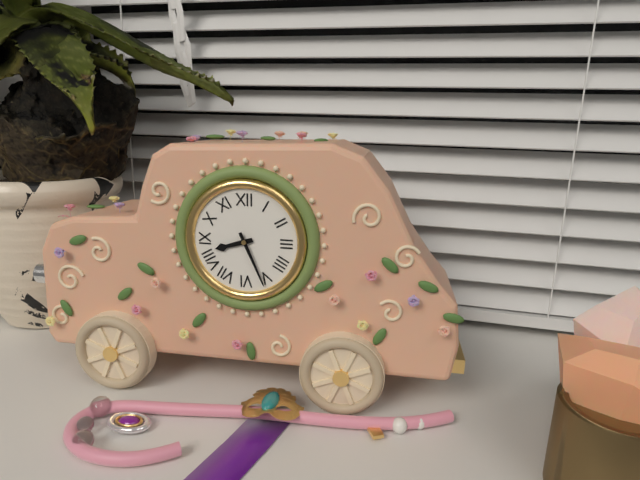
8:26
